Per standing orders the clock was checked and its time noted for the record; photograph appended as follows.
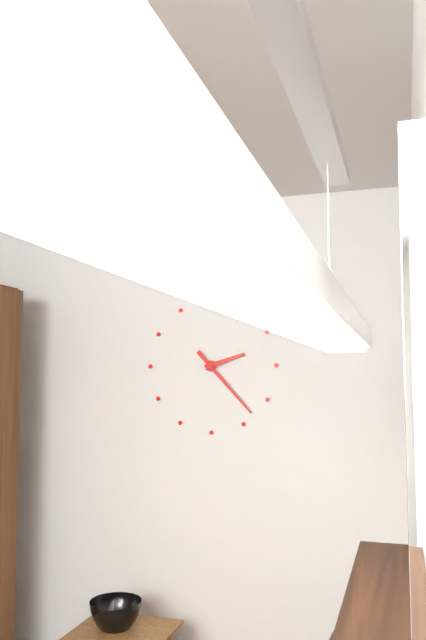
2:23
